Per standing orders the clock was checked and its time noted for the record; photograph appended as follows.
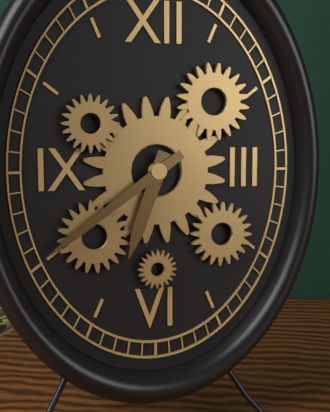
6:39
